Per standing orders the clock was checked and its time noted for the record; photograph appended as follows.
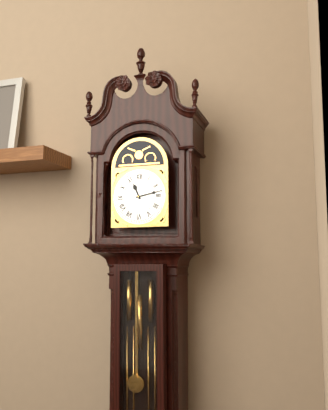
11:13
